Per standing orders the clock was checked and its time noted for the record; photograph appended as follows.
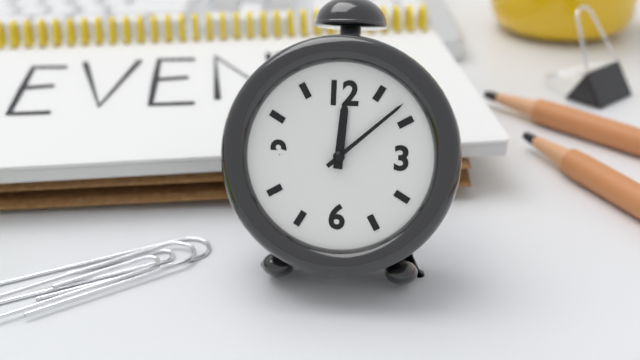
12:08
